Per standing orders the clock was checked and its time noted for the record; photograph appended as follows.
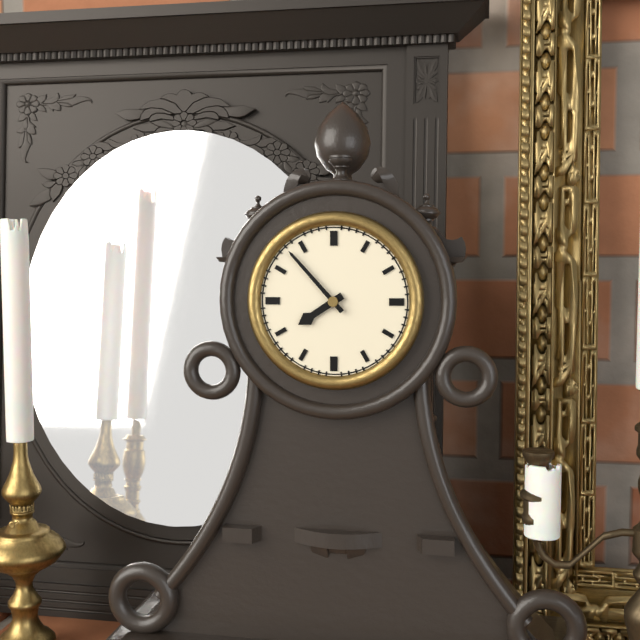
7:53
